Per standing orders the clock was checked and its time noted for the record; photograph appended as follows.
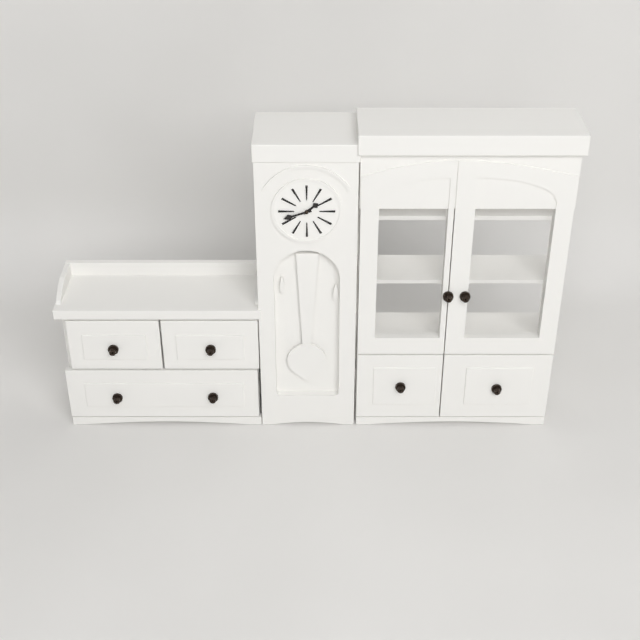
1:42
